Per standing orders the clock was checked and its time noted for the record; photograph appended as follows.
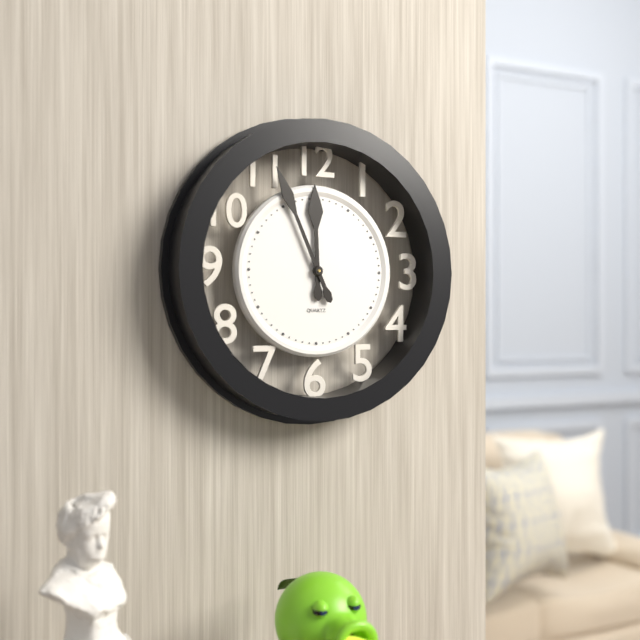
11:56
